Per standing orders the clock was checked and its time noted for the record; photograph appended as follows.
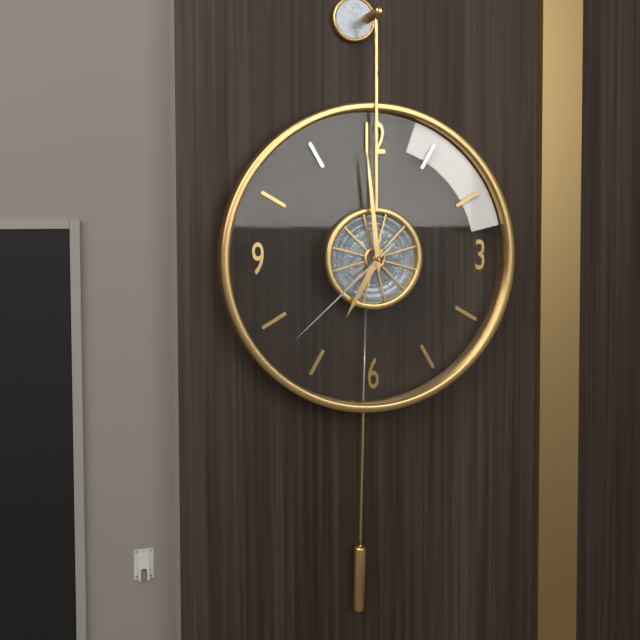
6:59:38
